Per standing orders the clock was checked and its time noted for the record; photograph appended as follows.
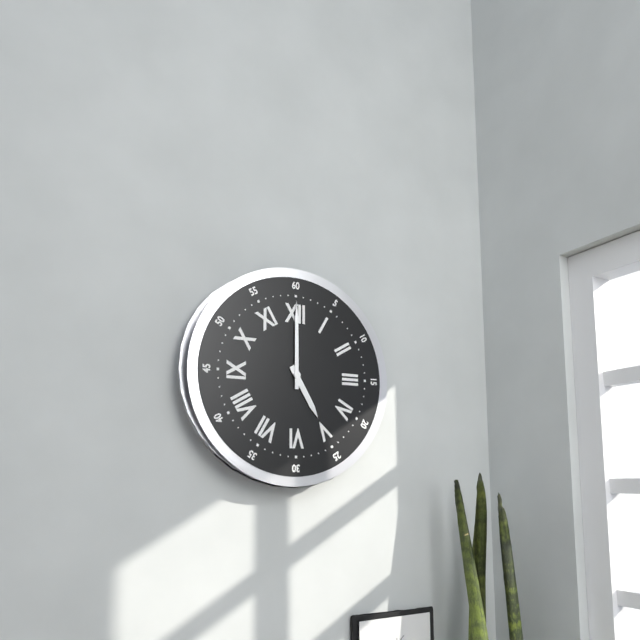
5:00
